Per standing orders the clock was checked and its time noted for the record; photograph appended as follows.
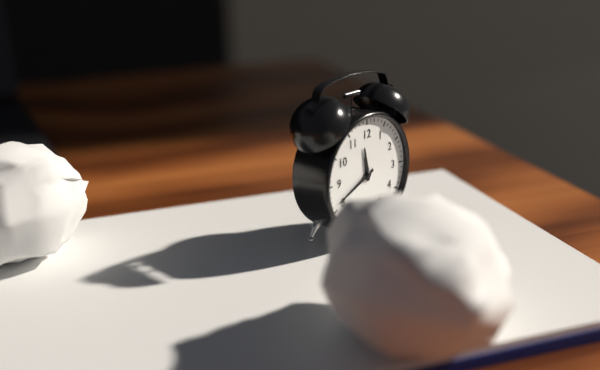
11:41
